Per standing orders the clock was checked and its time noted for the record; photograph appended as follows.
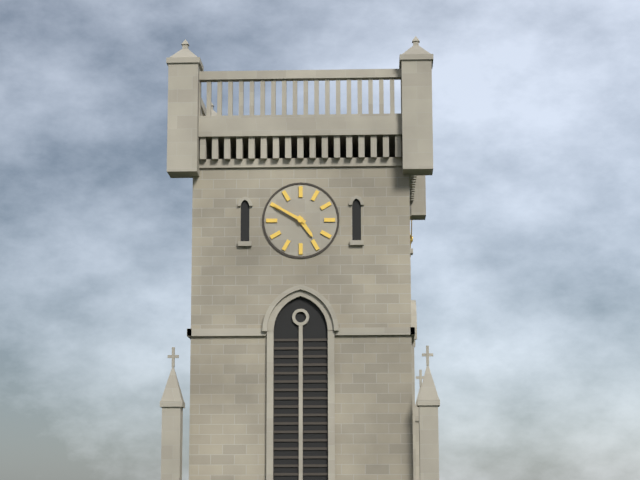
4:50
